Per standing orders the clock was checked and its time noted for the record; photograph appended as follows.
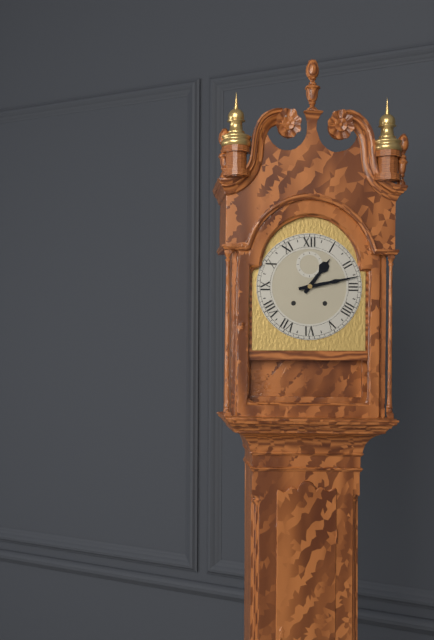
1:13
